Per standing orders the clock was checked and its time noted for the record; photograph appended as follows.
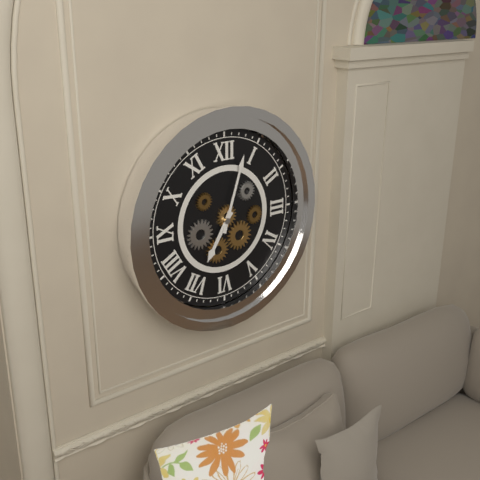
7:03
